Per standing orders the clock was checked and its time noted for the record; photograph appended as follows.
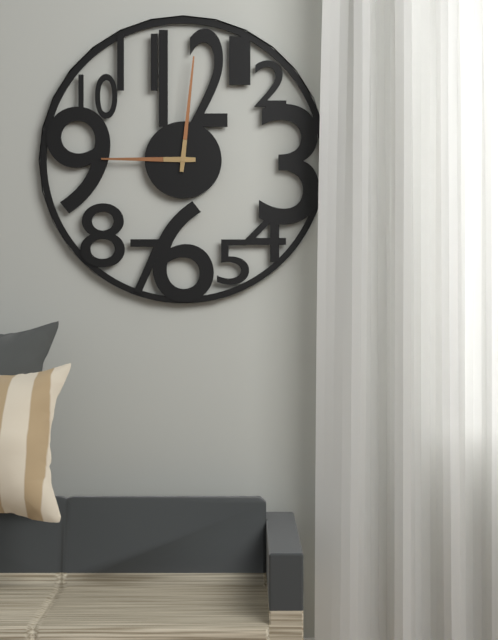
9:01
